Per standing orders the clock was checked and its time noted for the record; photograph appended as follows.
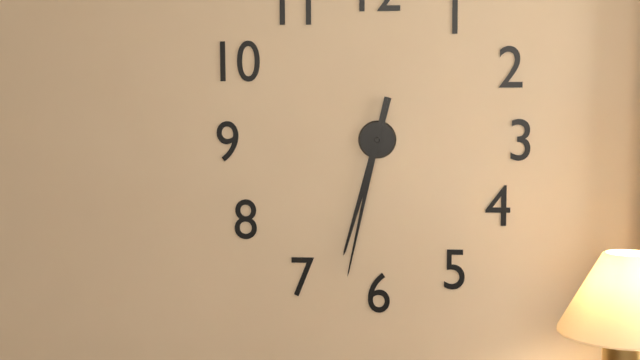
6:32
